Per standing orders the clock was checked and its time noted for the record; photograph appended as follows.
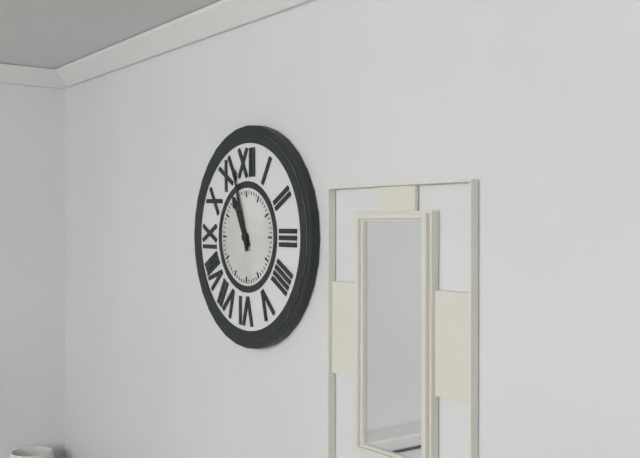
10:57
